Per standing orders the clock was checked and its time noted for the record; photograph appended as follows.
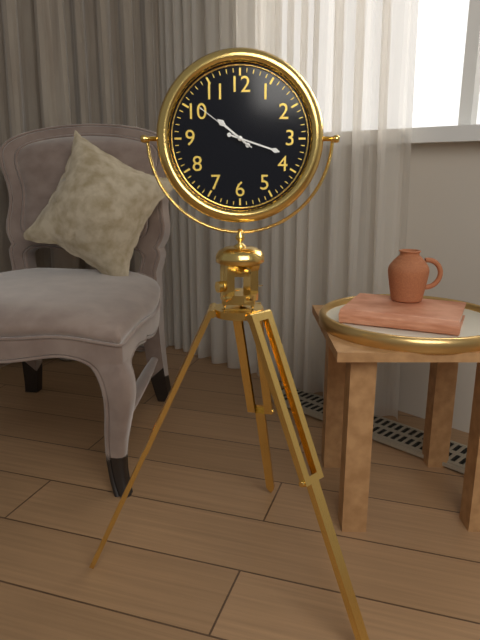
10:18:51
